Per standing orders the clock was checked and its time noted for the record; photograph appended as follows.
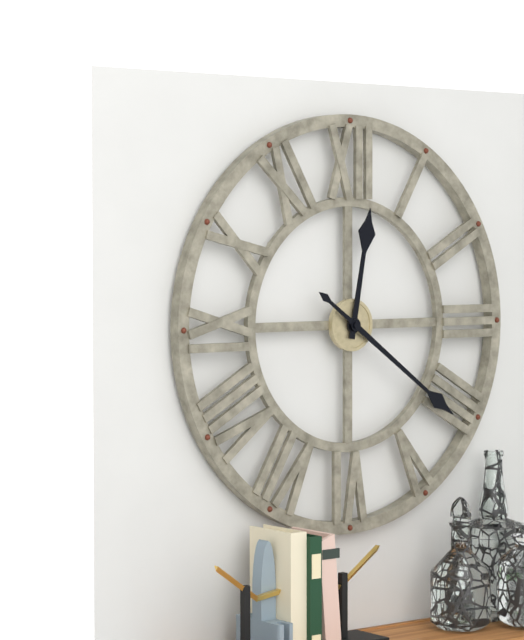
12:21
